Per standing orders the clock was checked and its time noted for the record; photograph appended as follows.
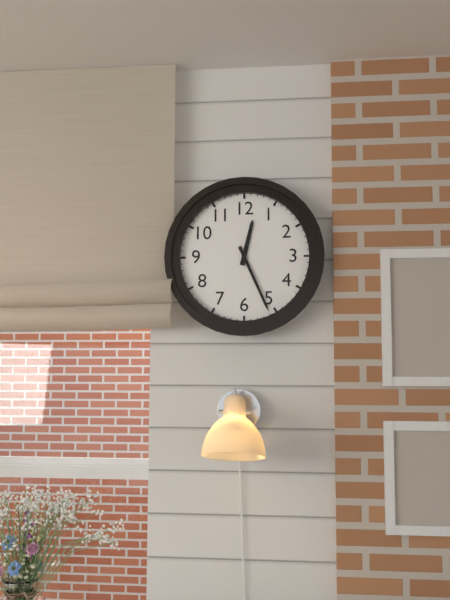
12:26
